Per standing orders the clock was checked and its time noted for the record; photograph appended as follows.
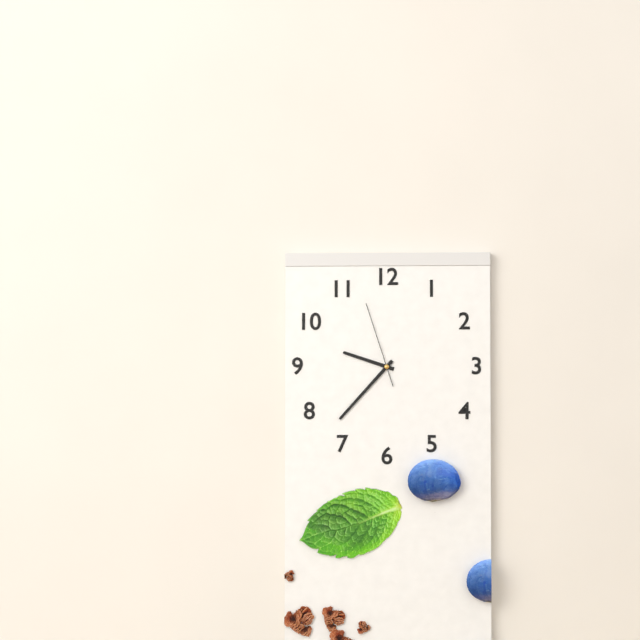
9:37:57
